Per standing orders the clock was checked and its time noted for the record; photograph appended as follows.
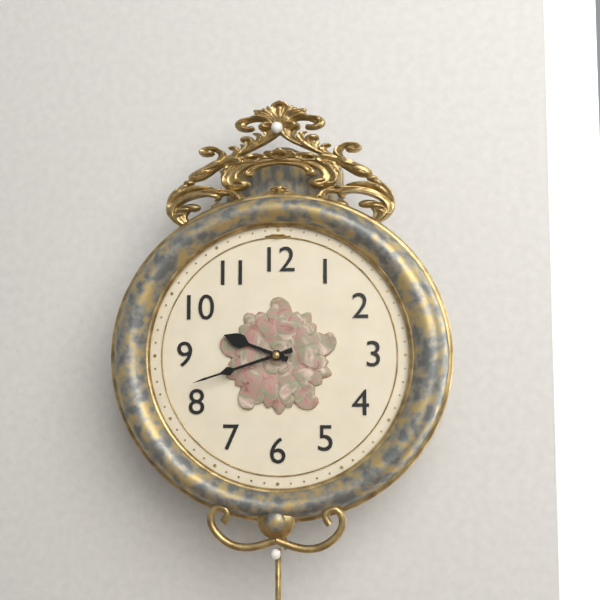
9:42
